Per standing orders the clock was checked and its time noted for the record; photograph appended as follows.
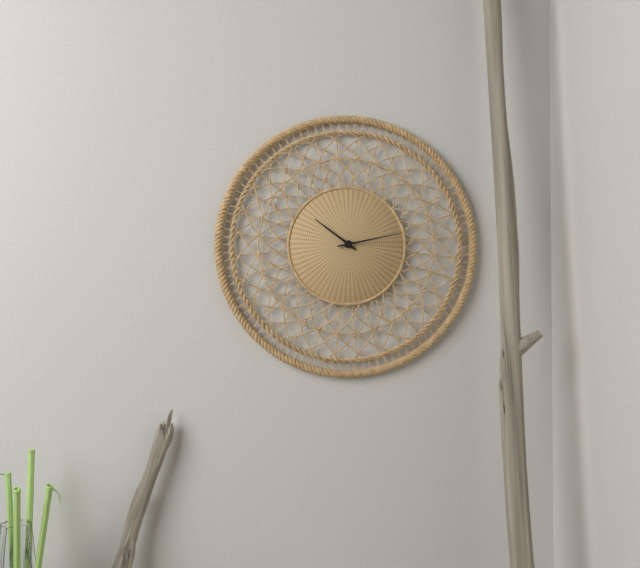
10:13
